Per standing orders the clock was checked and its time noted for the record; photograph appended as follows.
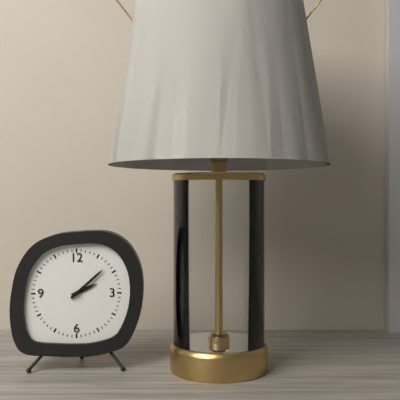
2:08
